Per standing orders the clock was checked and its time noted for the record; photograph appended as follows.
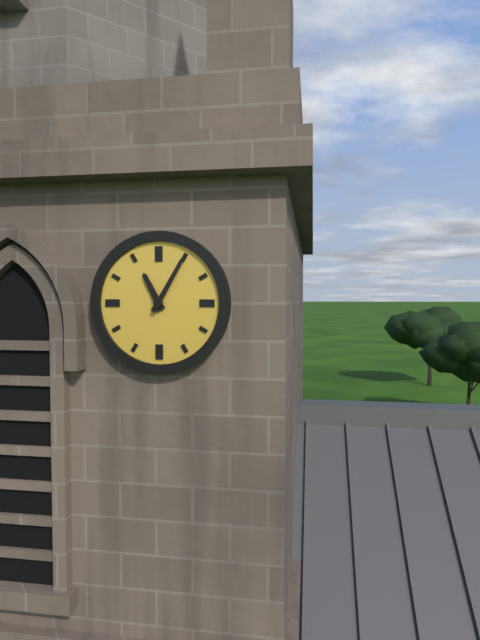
11:05
